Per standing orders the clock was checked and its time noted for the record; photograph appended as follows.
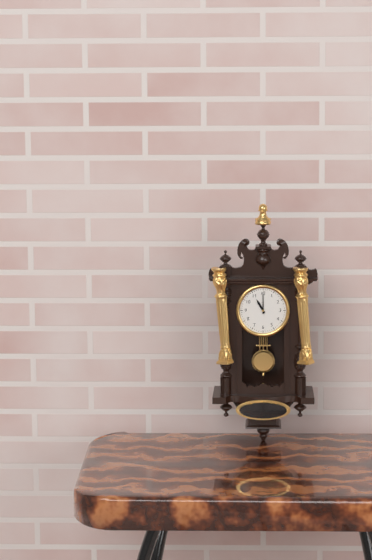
11:00
